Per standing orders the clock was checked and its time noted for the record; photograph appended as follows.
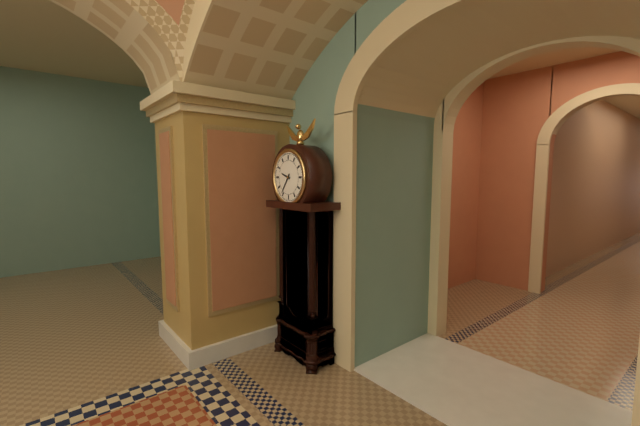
9:36
